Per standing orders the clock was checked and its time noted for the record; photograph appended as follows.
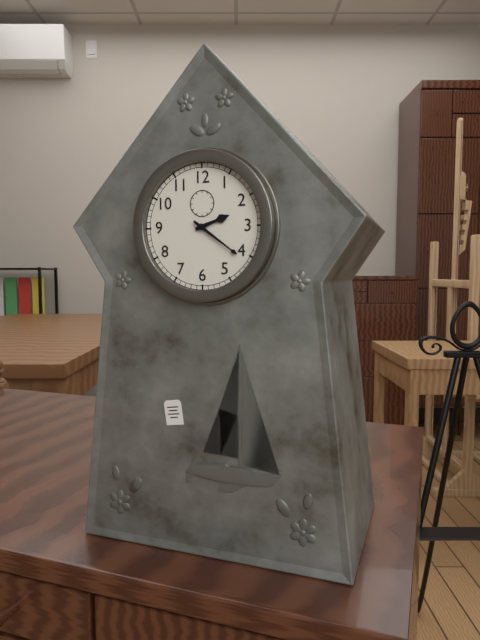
2:21
